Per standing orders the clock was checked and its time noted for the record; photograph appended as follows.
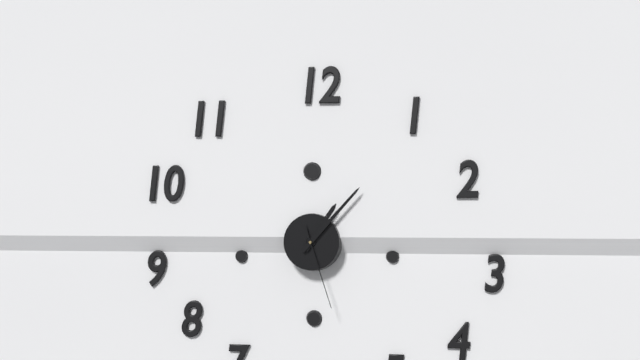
1:07:27
